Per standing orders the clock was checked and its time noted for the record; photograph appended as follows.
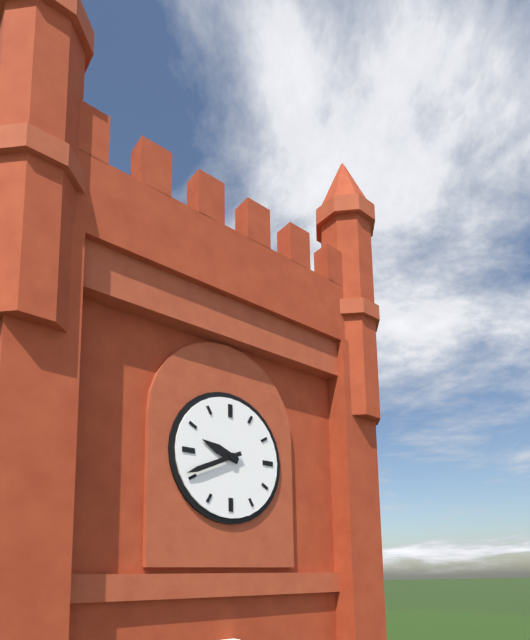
9:41
